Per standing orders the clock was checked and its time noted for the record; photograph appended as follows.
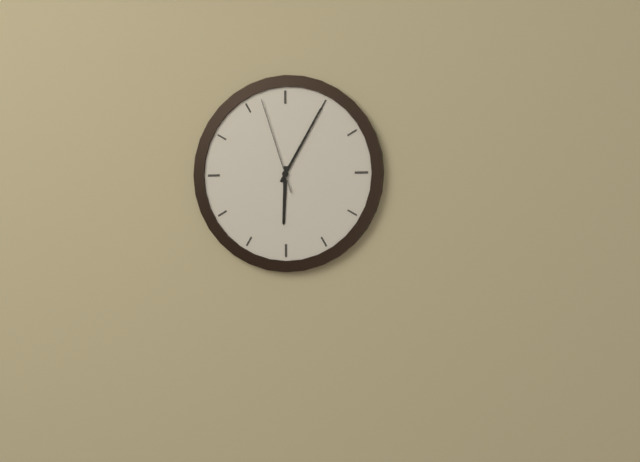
6:05:57
